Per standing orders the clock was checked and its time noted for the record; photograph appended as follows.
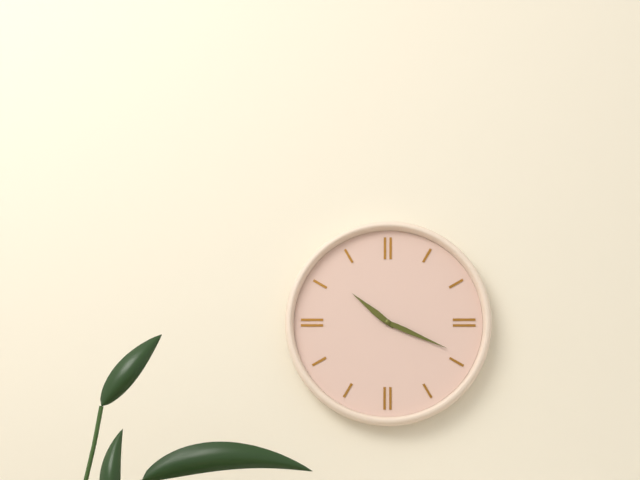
10:19
